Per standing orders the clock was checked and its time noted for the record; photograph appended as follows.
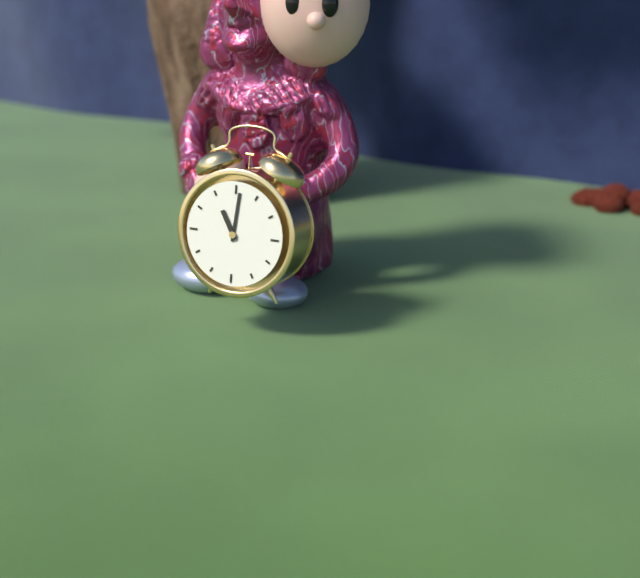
11:01
